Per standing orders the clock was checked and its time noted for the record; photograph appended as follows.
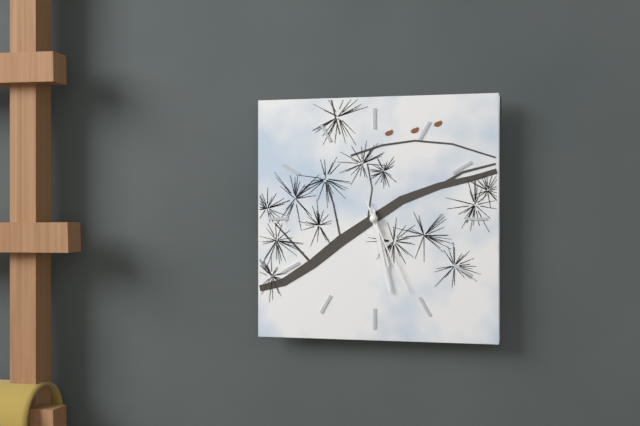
5:28:26
